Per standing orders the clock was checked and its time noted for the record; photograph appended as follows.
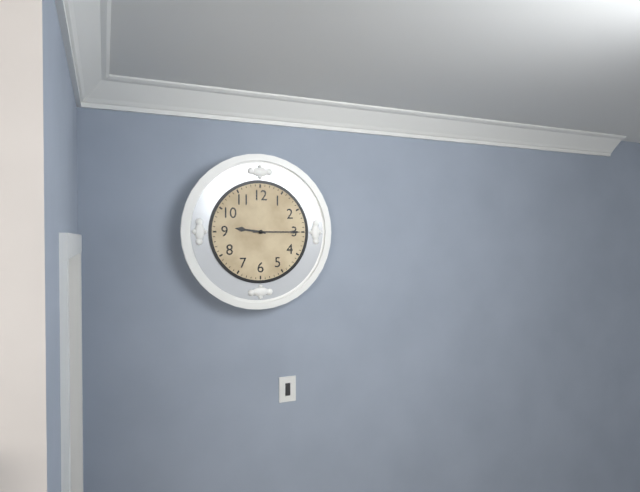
9:15
